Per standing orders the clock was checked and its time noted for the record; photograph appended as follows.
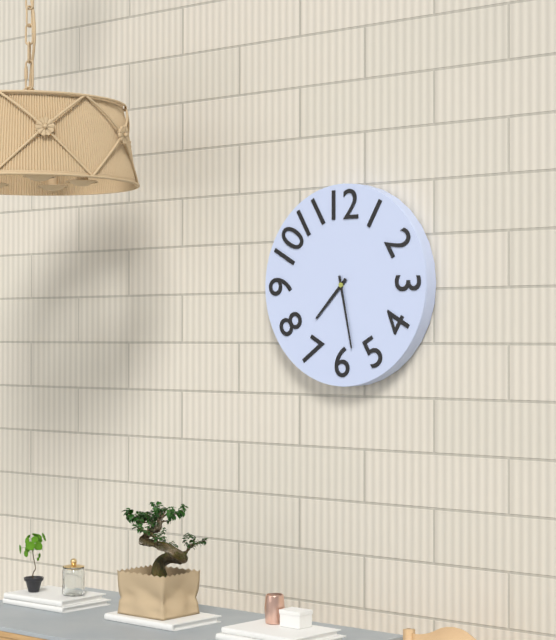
7:28
